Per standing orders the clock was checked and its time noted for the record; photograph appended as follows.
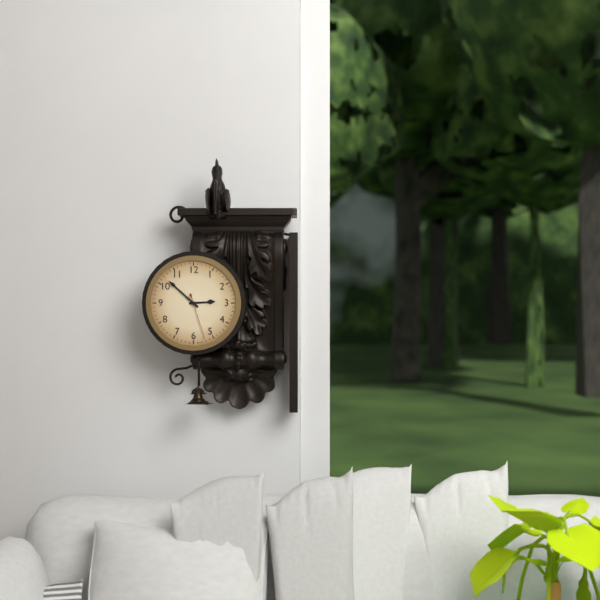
2:52
